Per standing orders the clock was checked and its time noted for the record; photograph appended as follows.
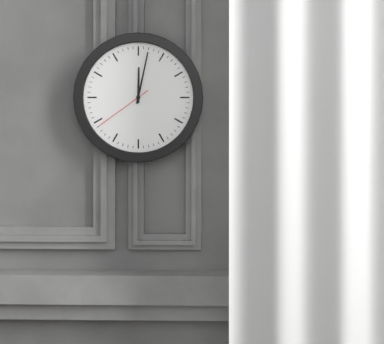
12:02:39
